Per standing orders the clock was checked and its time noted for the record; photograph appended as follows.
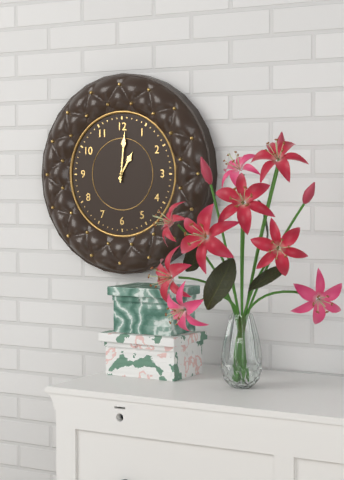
1:01
